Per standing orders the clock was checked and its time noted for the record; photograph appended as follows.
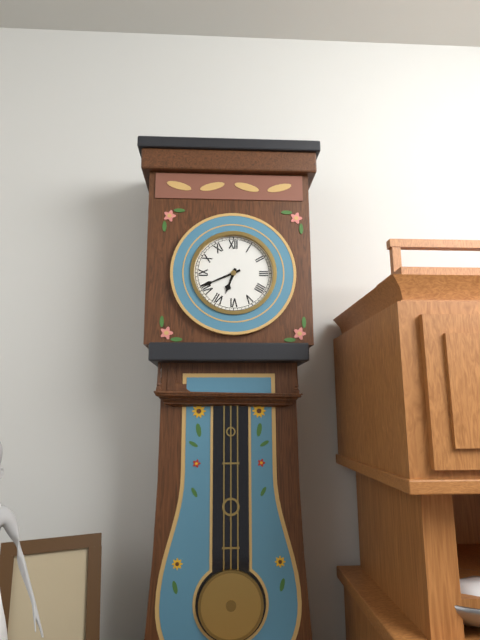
6:41
